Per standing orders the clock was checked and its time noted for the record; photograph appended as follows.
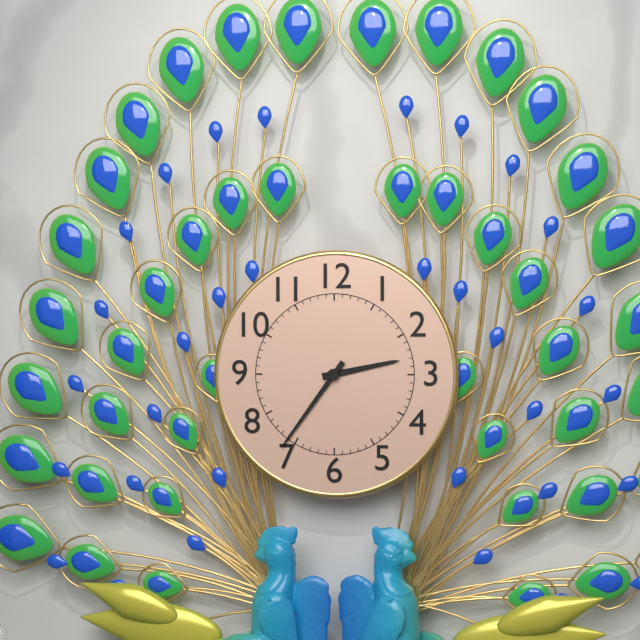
2:36
